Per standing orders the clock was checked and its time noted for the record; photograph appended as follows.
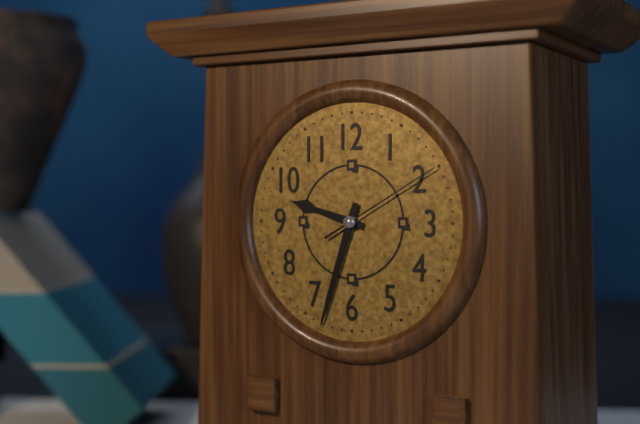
9:33:10
